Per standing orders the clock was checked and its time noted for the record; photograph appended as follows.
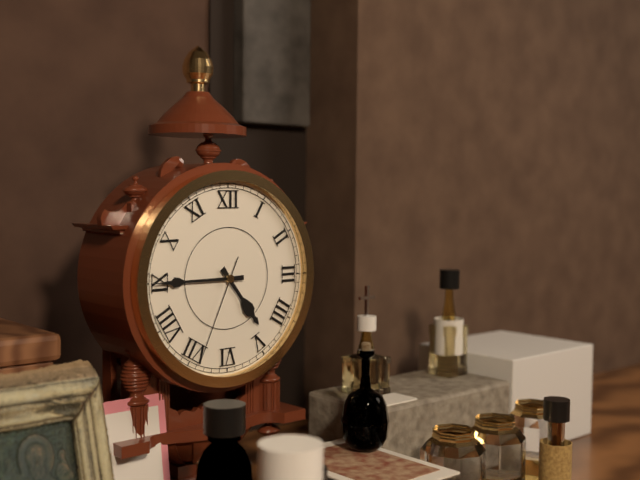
4:45:34
